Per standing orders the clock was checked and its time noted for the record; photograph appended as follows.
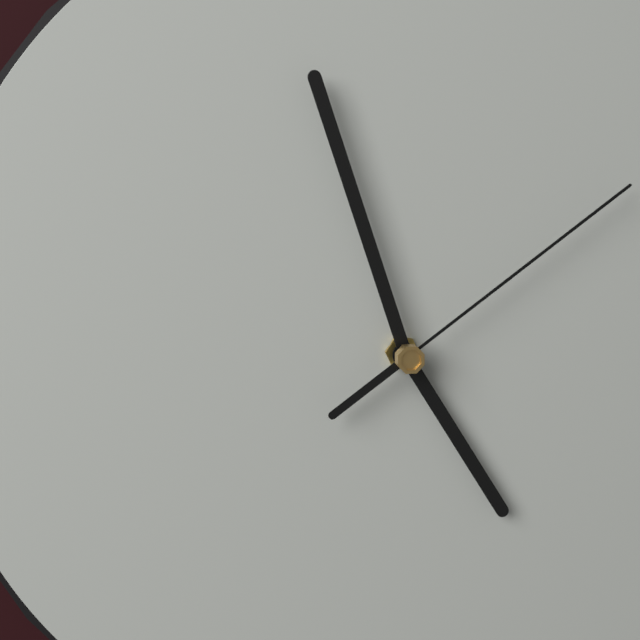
4:57:09
